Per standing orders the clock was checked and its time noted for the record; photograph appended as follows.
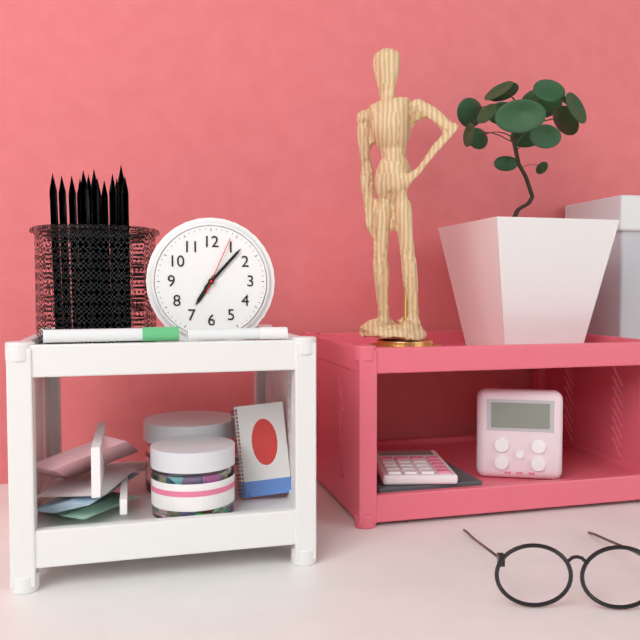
7:07:04
